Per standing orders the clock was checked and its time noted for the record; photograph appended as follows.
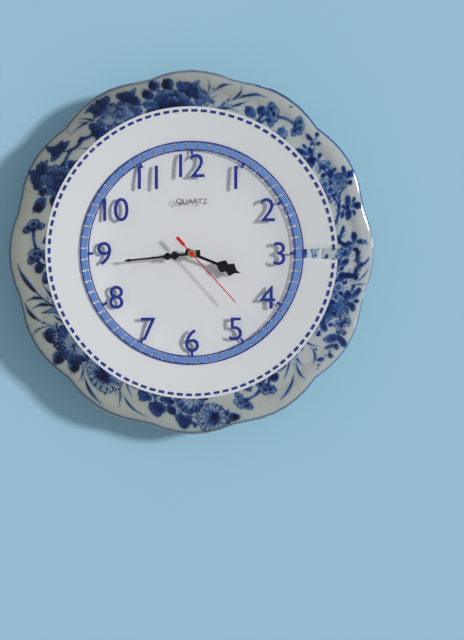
3:44:23
